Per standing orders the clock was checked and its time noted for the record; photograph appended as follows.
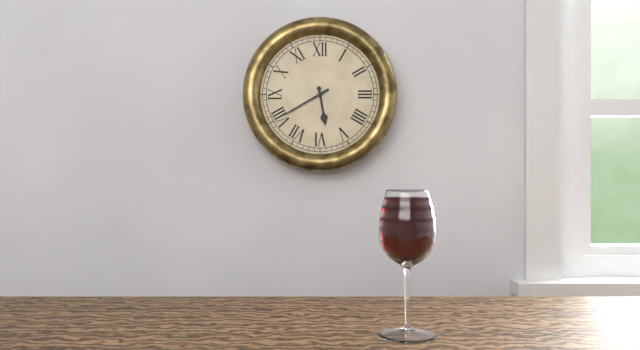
5:40
